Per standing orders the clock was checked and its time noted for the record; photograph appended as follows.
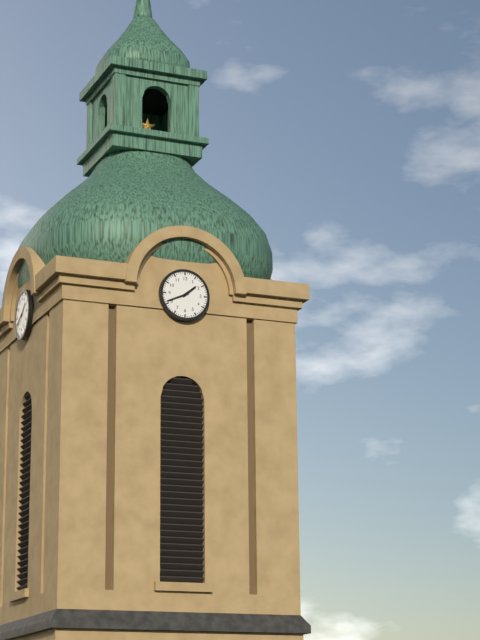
1:41
